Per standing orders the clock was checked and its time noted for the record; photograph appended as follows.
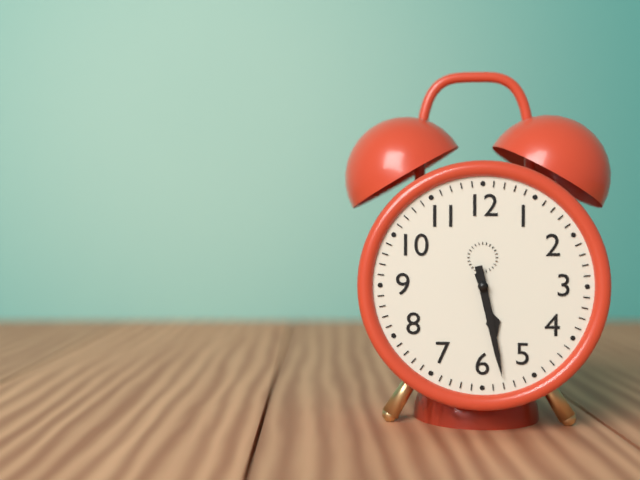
5:28
